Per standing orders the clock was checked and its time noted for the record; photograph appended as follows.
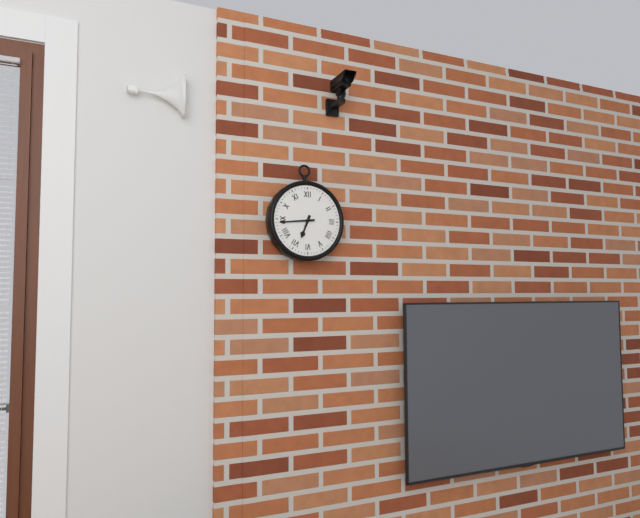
6:44
